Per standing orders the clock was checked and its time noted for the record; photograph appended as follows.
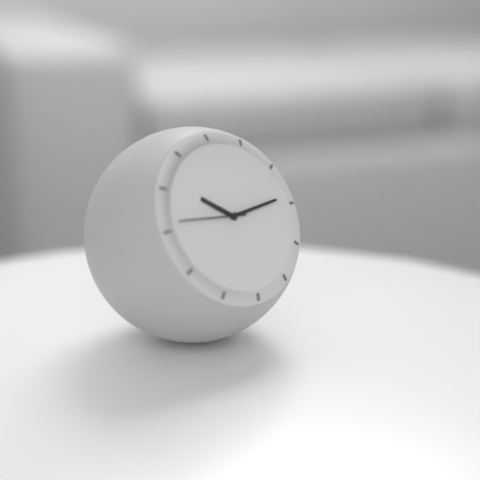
10:14:46
